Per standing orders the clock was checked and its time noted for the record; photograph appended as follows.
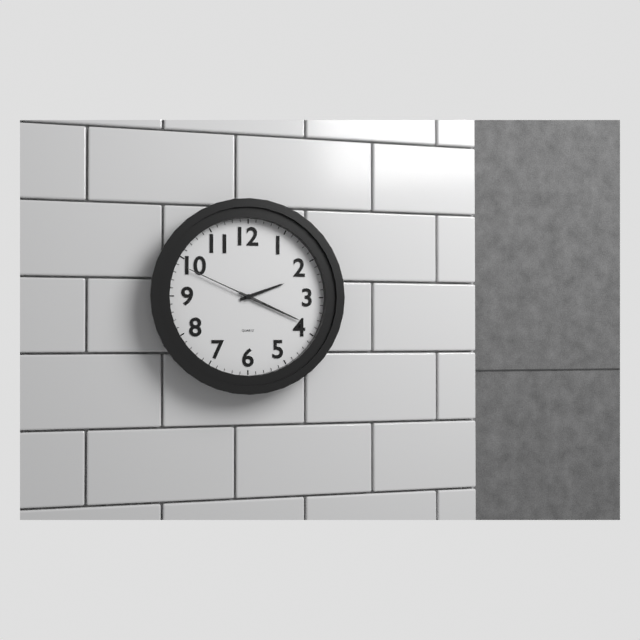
2:19:49
